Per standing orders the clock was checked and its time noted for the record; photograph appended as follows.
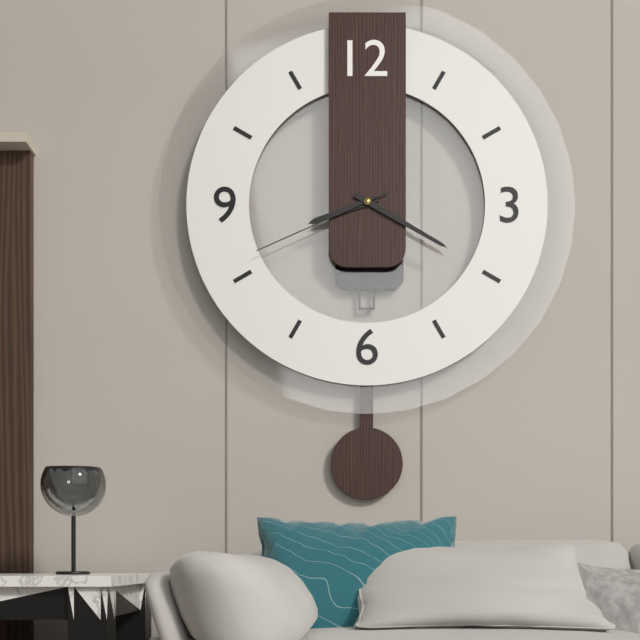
8:20:41
